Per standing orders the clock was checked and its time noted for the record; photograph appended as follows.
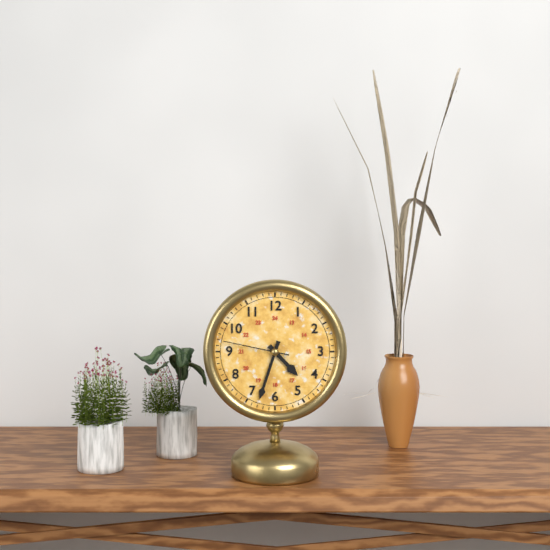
4:33:47
